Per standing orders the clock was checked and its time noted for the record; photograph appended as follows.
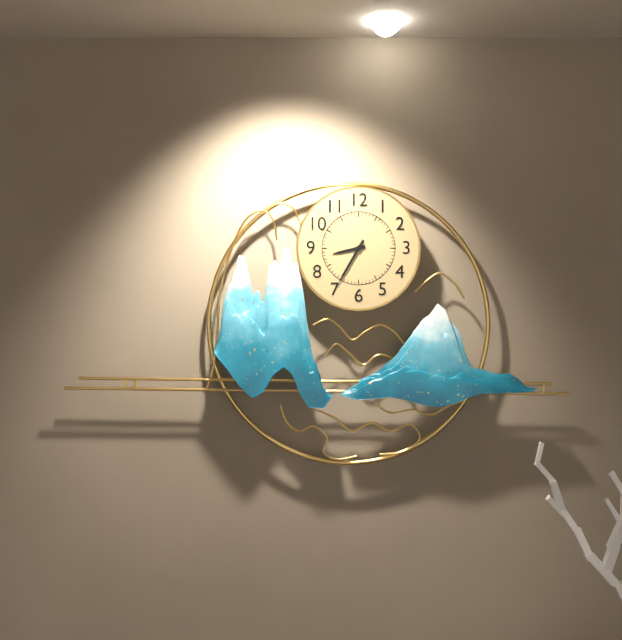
8:35
